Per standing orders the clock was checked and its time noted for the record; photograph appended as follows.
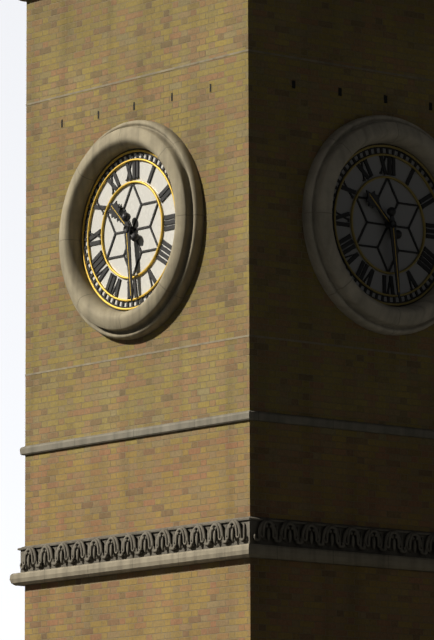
10:29
